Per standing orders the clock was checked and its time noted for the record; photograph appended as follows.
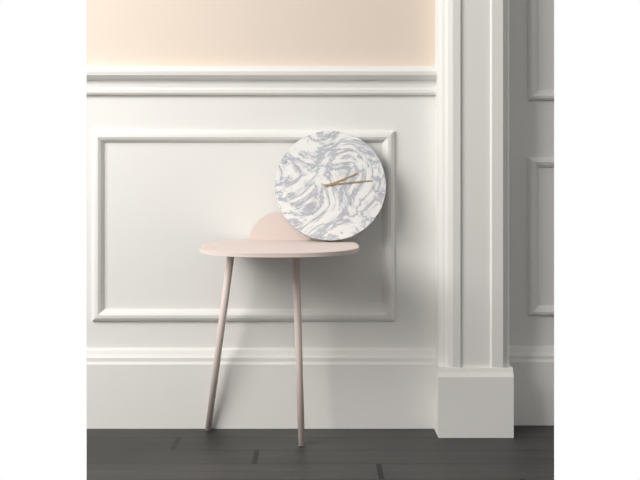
2:14
